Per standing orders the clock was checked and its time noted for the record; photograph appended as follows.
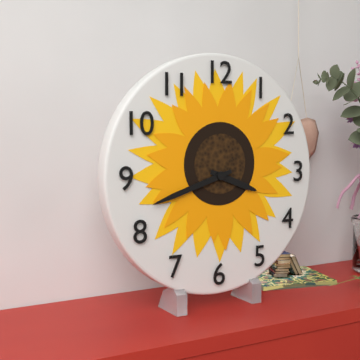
3:42
